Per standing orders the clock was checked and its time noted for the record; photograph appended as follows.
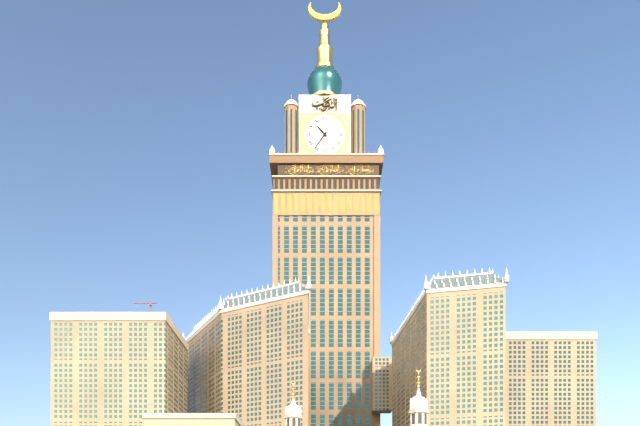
10:36
